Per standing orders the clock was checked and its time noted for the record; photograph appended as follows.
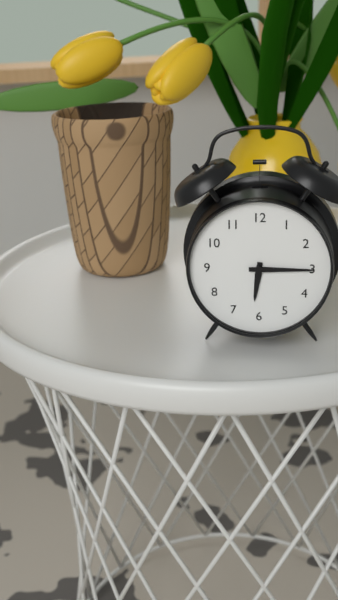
6:15
